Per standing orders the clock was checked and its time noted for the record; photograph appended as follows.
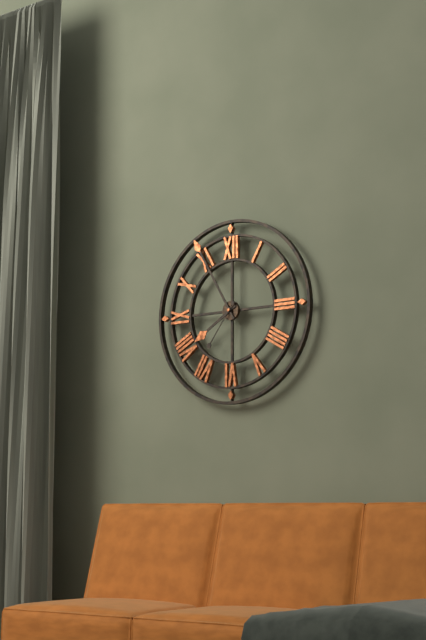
7:55:36
